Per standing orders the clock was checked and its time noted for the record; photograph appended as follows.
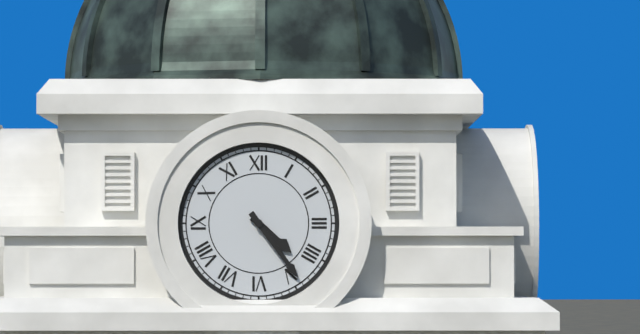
4:24
